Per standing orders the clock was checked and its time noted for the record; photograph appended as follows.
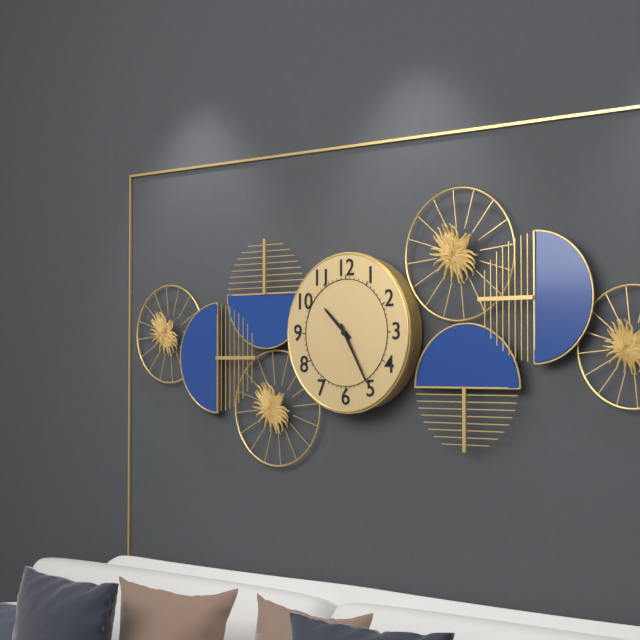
10:25
